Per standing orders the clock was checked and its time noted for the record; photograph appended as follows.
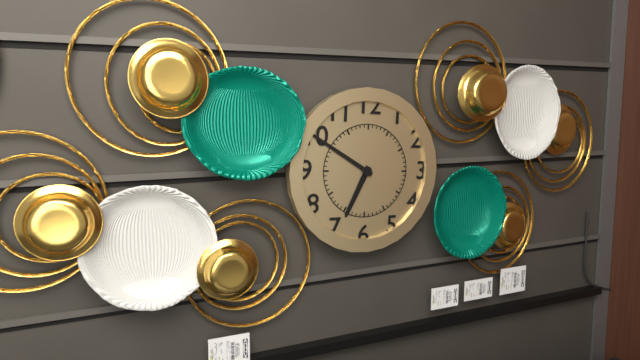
6:50
